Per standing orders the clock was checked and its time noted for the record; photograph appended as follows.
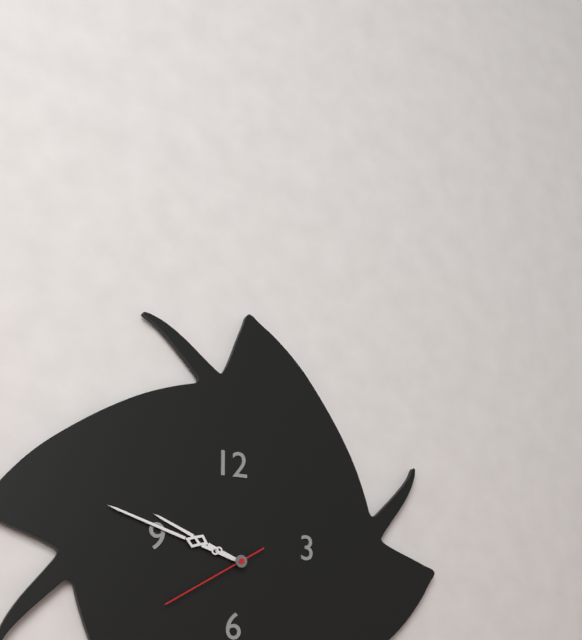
9:48:40
